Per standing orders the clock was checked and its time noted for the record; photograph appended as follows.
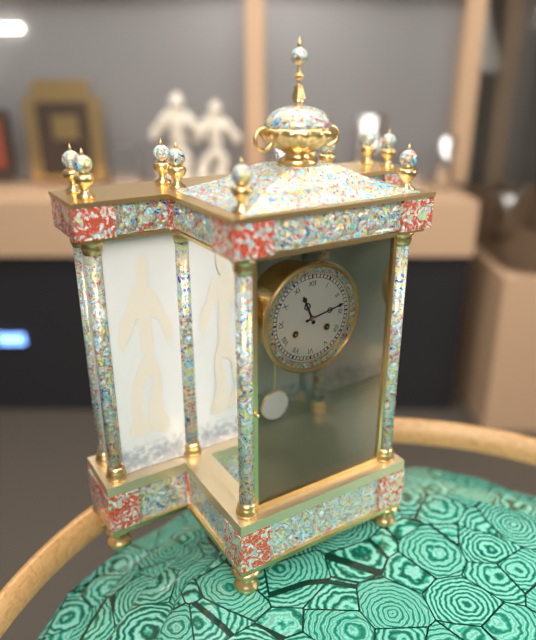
11:13
